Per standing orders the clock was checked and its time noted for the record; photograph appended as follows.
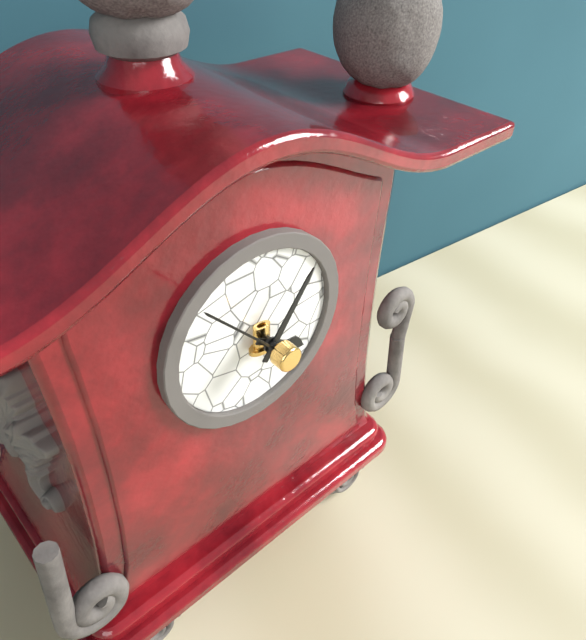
4:06:53
